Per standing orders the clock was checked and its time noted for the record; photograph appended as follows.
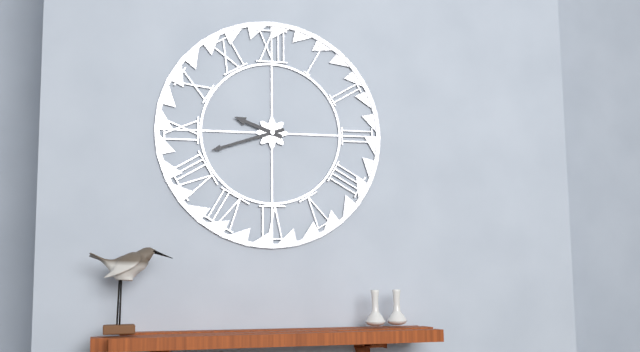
9:42
